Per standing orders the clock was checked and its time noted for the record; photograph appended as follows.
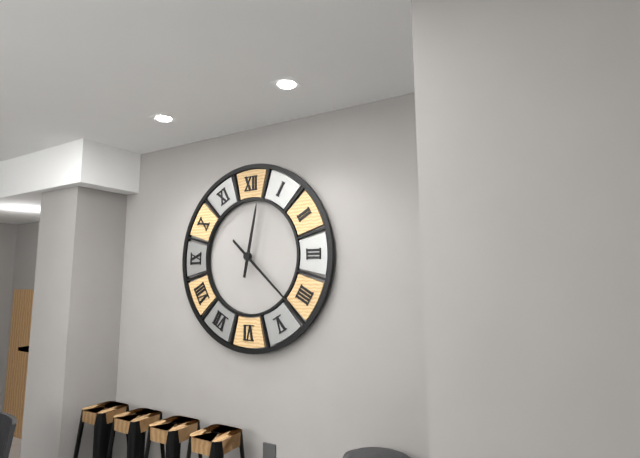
12:22
